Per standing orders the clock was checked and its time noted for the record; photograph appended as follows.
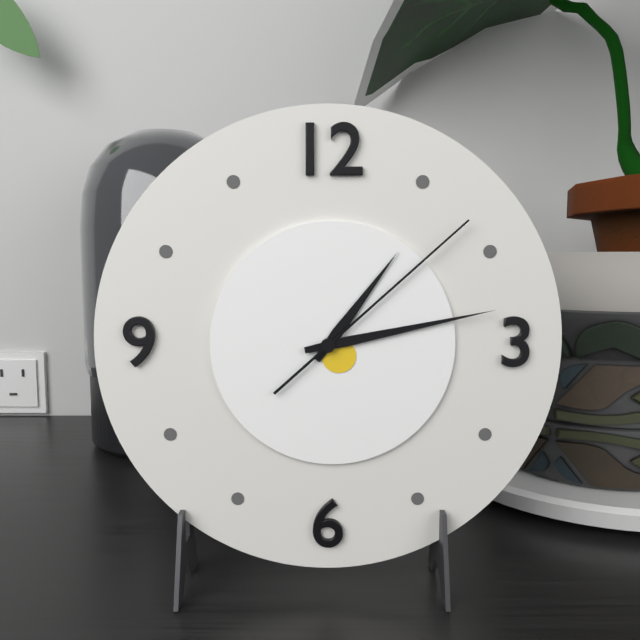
1:13:08
